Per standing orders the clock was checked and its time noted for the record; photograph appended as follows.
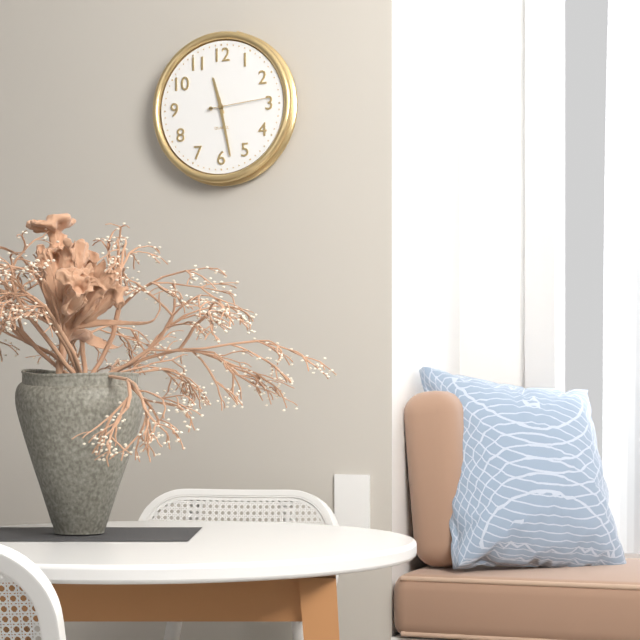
11:28:14
